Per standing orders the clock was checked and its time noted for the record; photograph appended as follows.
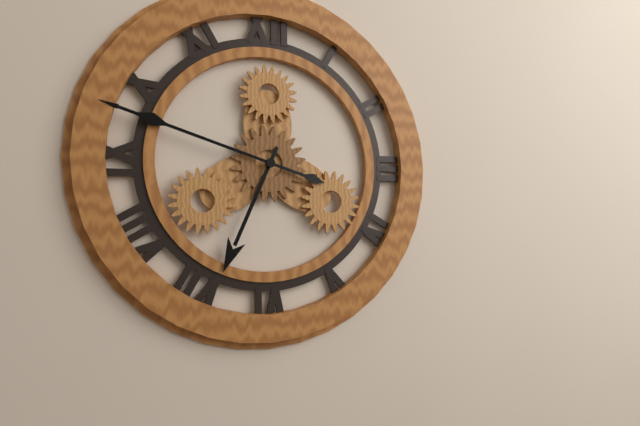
6:48
